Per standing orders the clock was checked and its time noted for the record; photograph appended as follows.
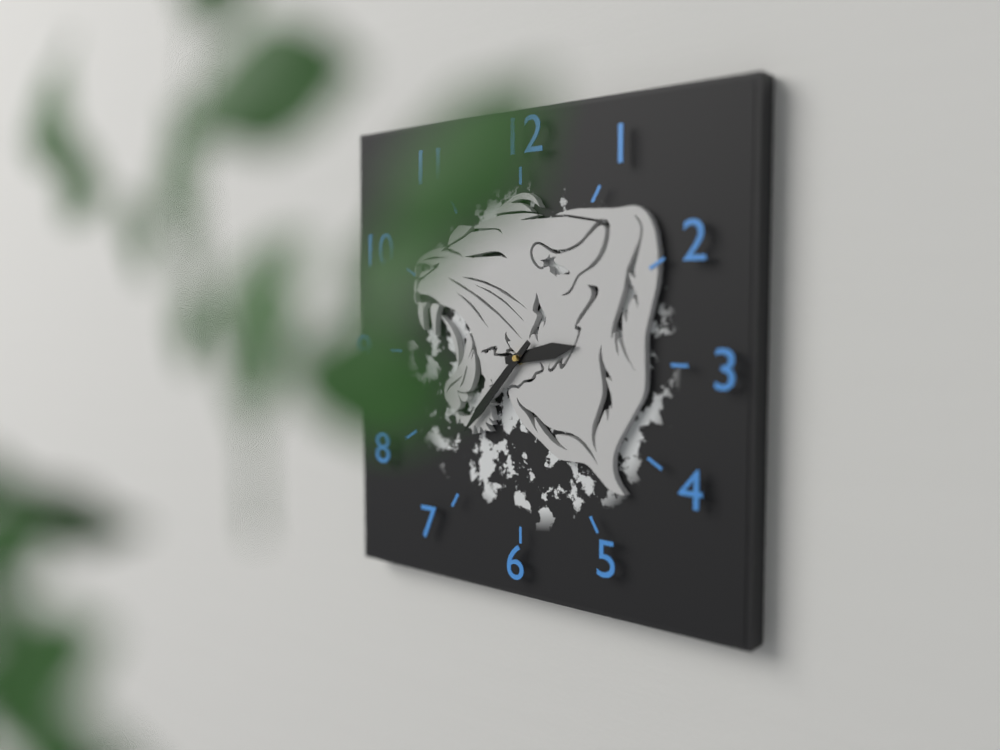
2:37
